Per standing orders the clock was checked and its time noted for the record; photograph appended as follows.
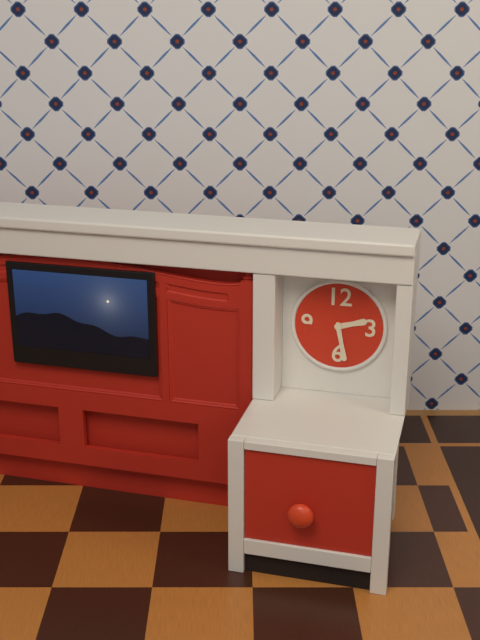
2:28
